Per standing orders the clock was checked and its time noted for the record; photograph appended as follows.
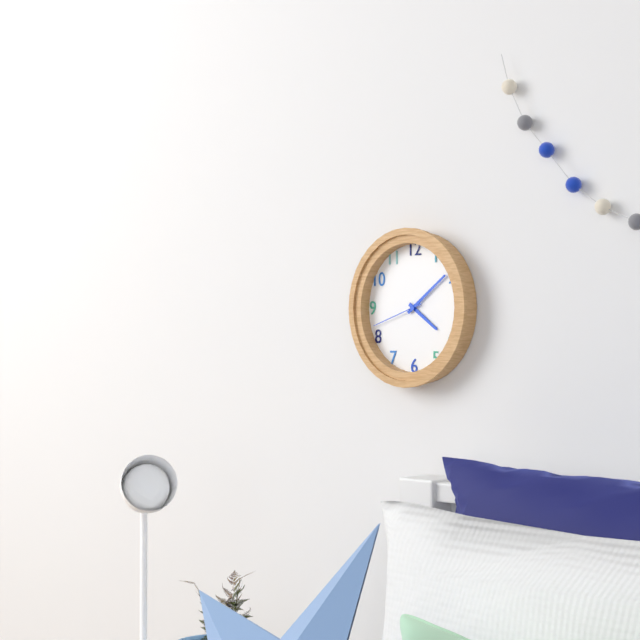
4:09:42
